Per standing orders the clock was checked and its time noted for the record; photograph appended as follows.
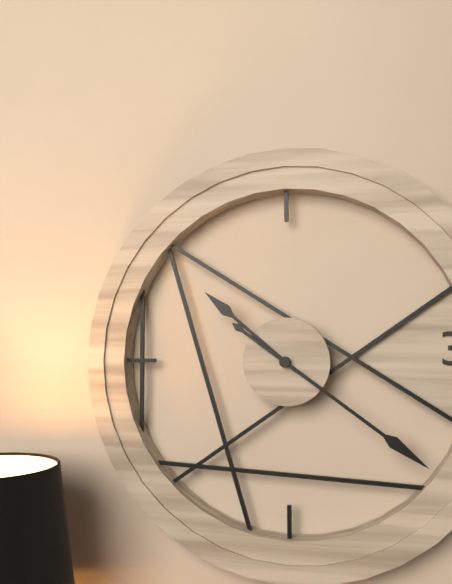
10:21
